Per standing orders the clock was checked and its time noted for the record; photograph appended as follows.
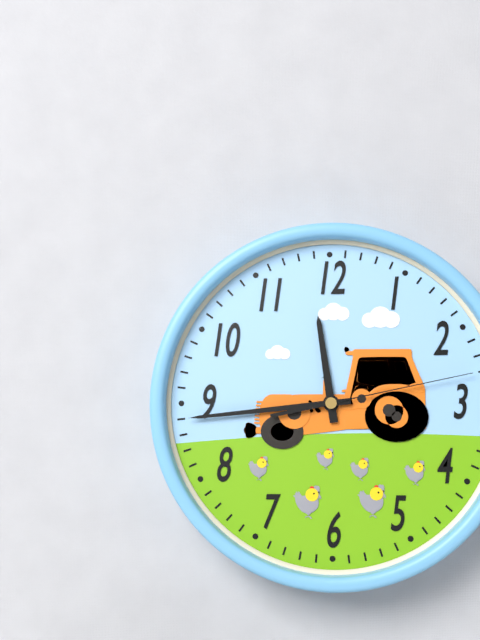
11:44:13
